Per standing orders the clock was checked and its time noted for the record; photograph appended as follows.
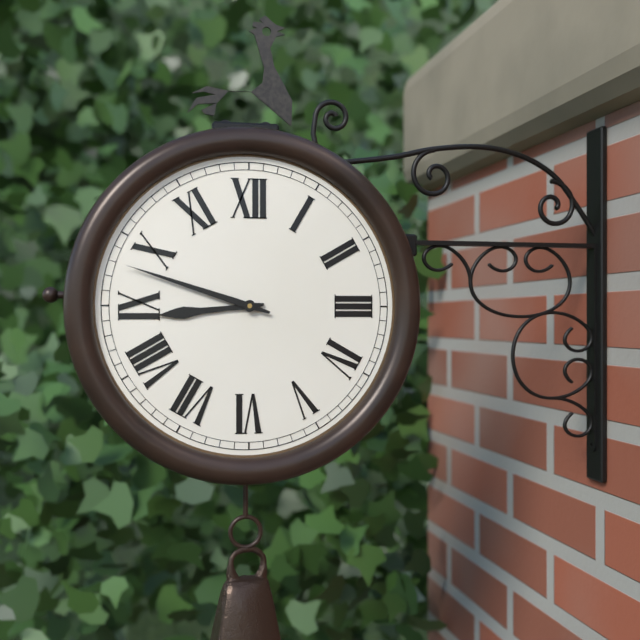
8:48
